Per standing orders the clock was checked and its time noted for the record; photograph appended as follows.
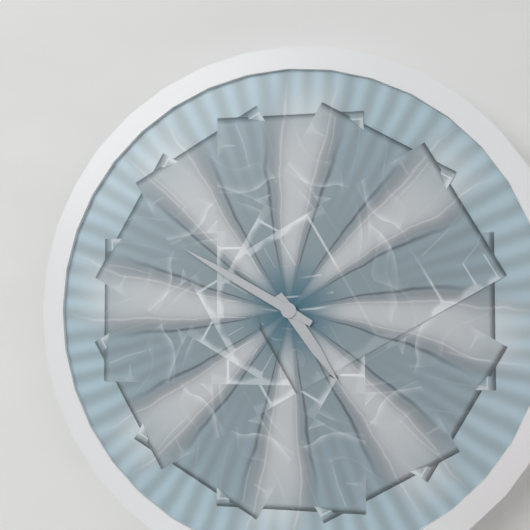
4:50
